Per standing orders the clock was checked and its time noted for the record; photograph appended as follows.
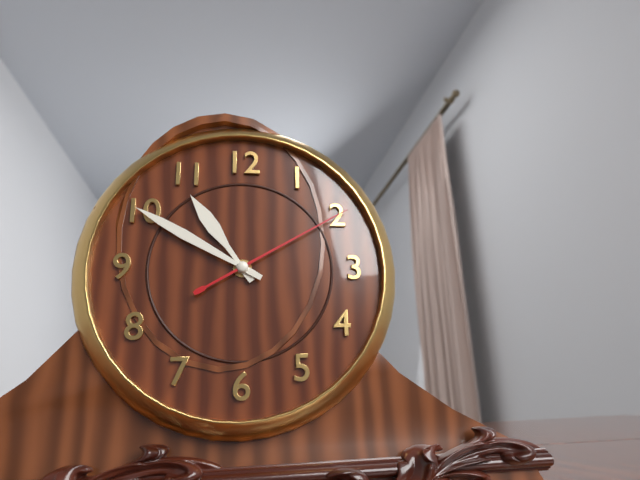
10:50:10
